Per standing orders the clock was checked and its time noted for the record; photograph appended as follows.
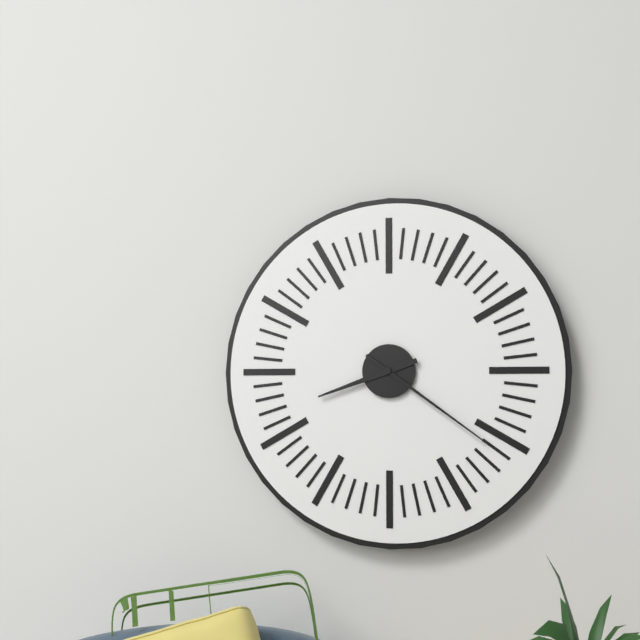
8:21
